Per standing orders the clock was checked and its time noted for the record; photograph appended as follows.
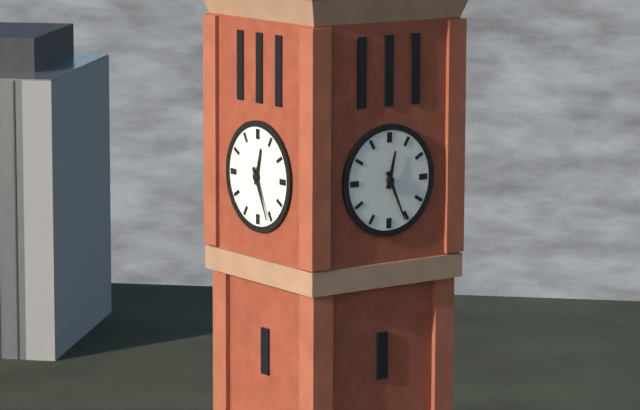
12:26
